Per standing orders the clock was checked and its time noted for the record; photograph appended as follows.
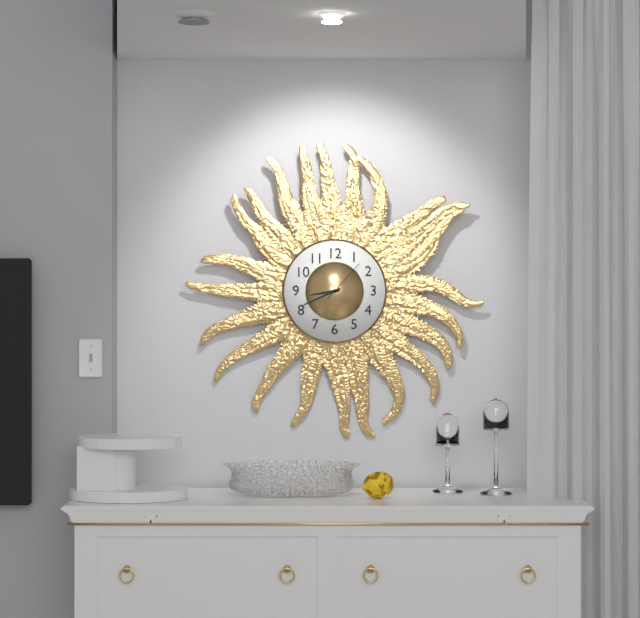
8:41
